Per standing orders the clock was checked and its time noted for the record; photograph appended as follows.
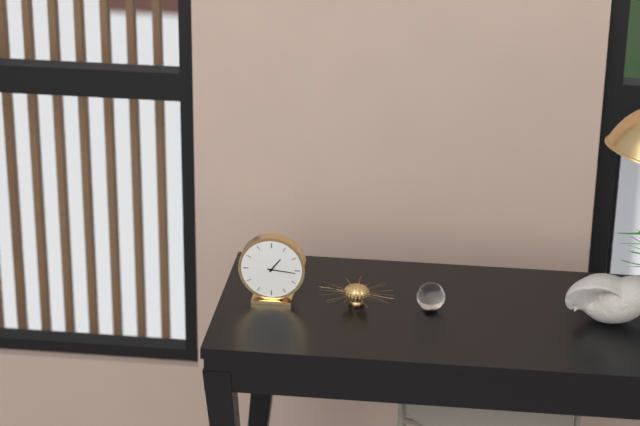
1:16
